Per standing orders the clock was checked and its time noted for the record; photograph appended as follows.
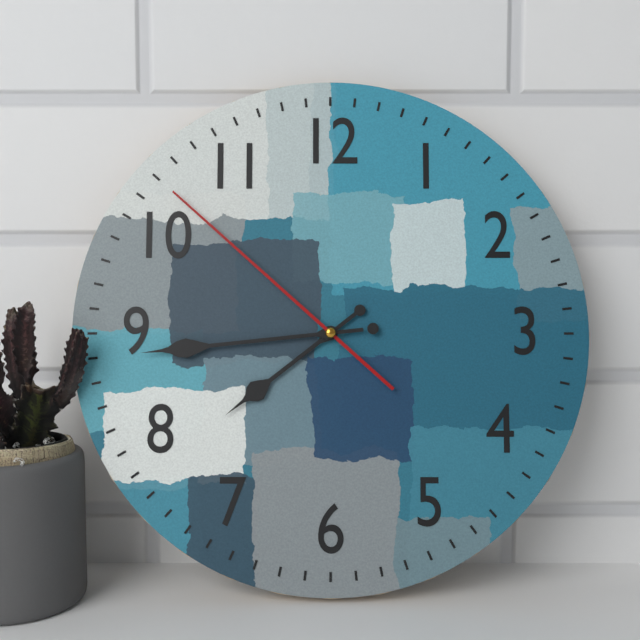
7:44:52
